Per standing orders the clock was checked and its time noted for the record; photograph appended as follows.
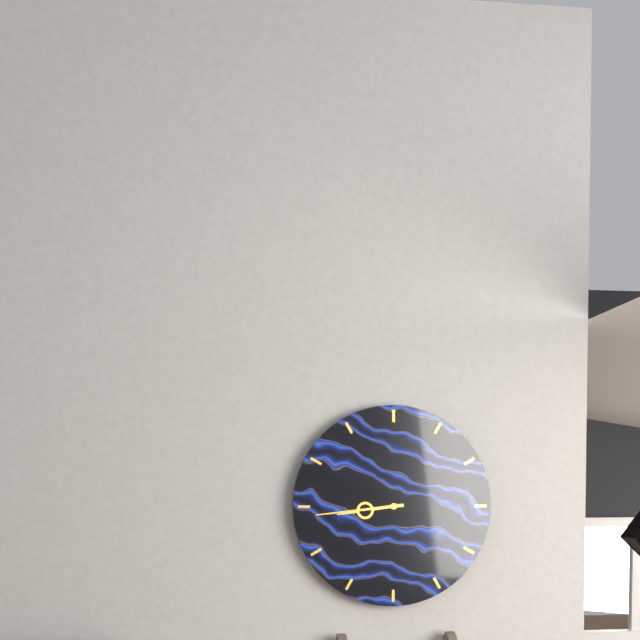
8:44
